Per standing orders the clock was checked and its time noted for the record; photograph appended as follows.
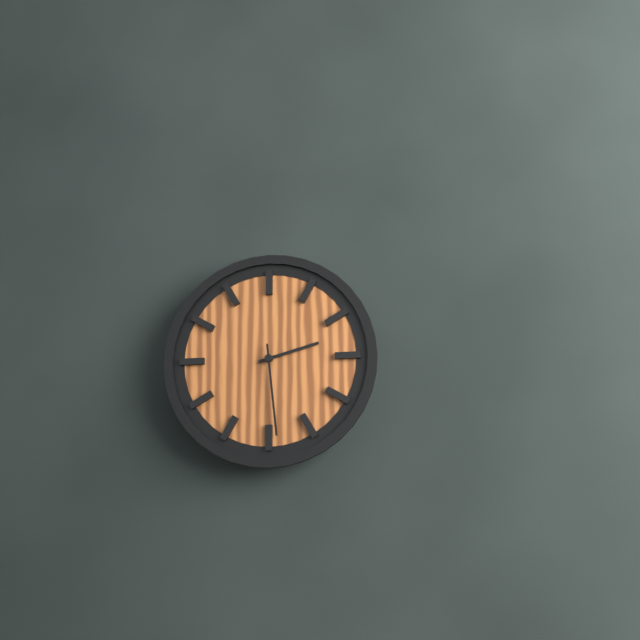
2:29
